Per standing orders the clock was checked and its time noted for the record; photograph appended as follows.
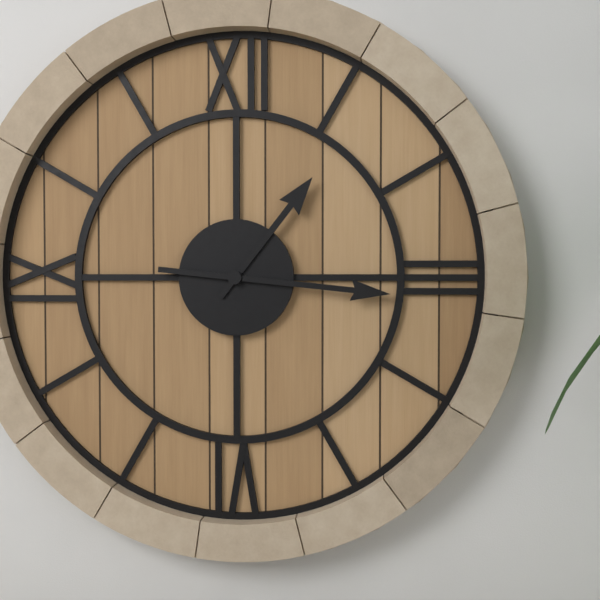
1:16
